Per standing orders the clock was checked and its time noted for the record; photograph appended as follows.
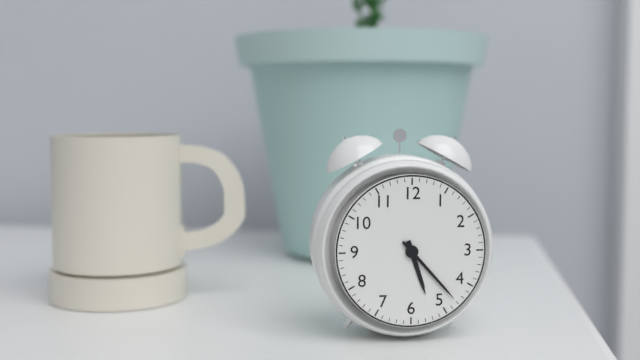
5:23
